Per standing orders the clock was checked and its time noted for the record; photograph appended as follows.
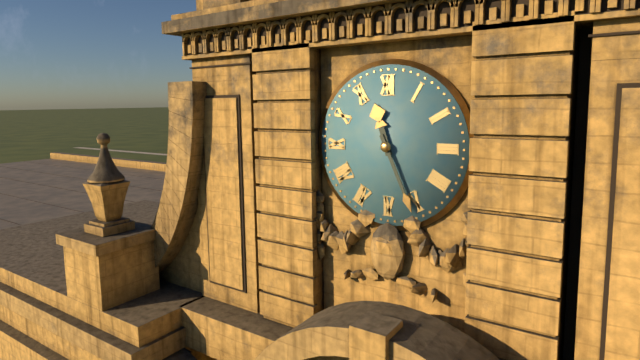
11:26
